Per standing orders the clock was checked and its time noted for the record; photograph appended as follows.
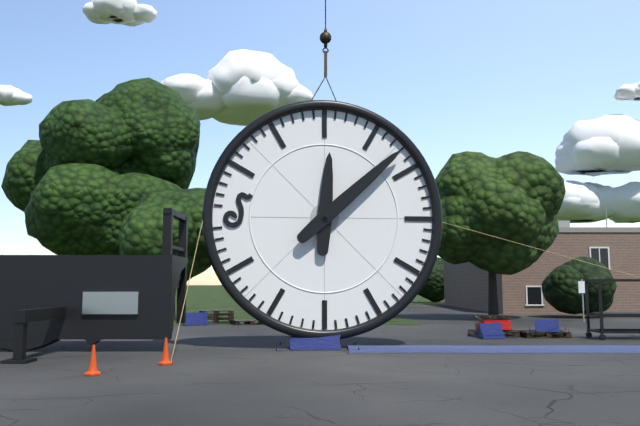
12:08
